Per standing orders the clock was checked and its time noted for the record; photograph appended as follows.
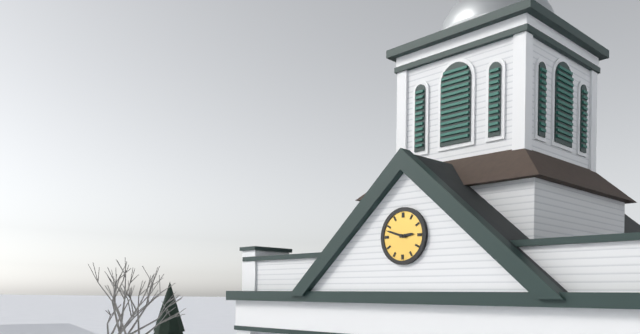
2:48
